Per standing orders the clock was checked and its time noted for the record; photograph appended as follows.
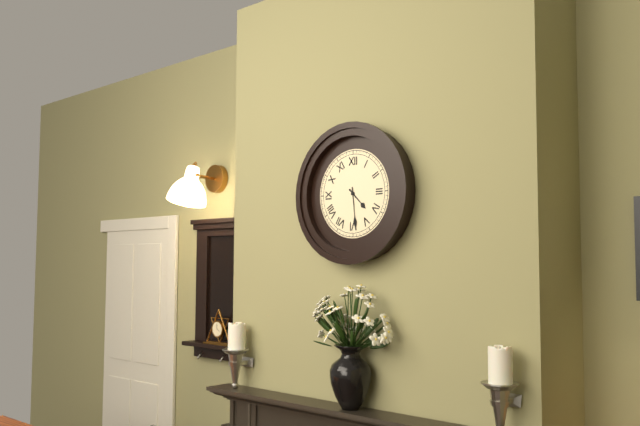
4:29
